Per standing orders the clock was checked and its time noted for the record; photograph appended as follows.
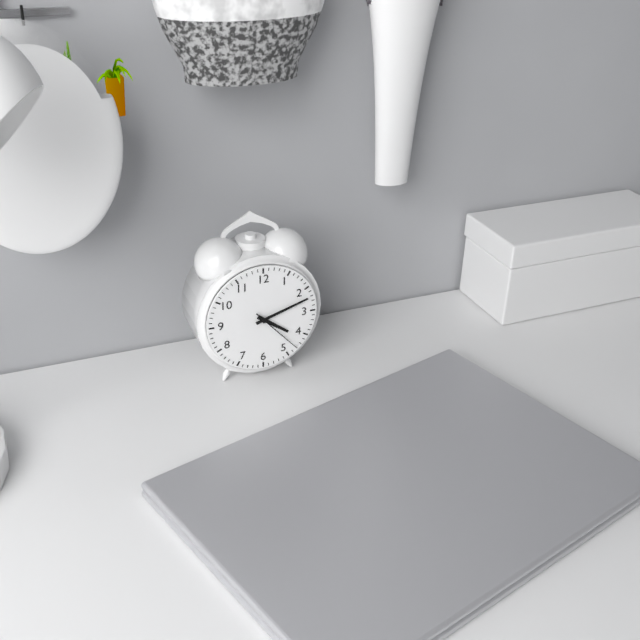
4:12:23
